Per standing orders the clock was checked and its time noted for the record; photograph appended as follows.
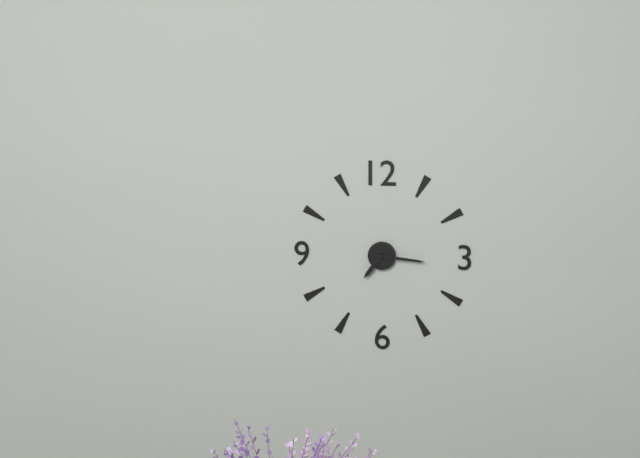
7:16
